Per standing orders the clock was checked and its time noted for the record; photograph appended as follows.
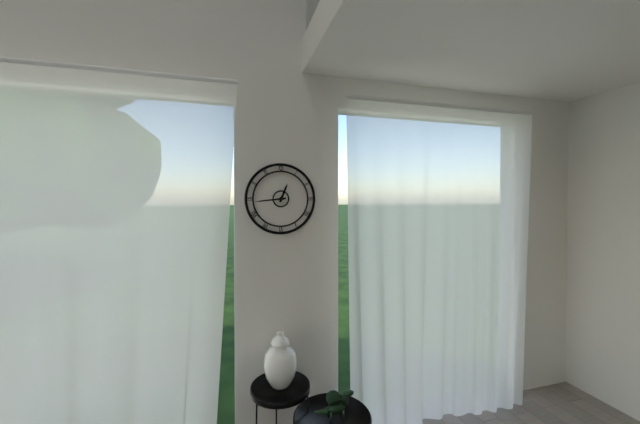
12:44
